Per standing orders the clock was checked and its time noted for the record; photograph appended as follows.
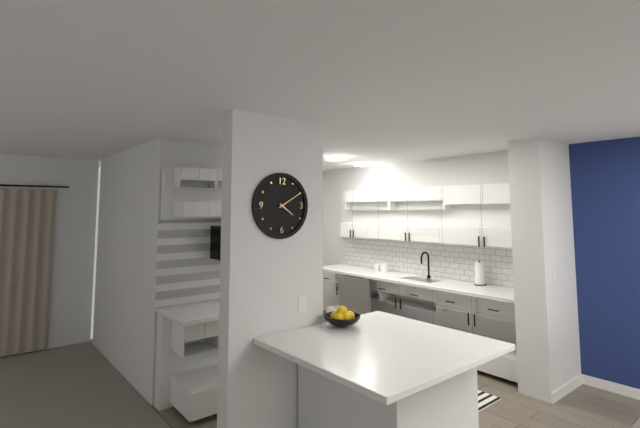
4:10
